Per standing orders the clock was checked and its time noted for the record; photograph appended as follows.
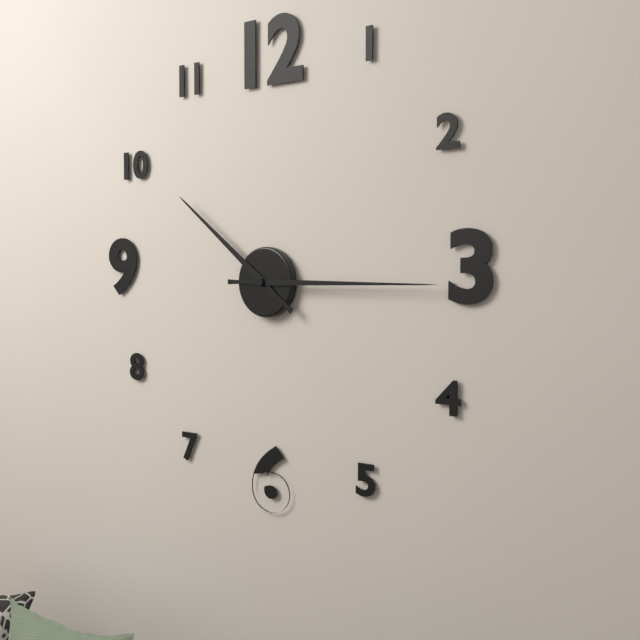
10:15
